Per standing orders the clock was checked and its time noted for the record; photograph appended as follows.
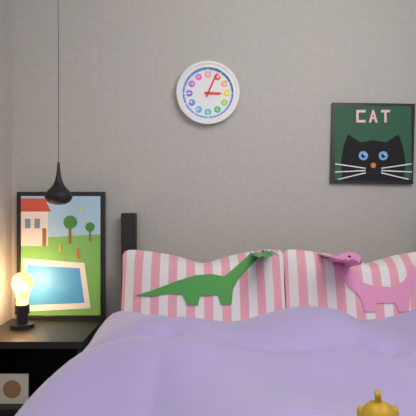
3:04
